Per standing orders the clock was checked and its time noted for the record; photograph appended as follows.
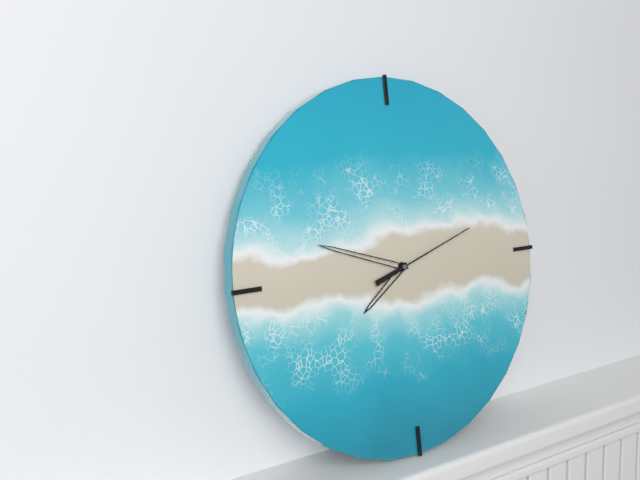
7:48:12
